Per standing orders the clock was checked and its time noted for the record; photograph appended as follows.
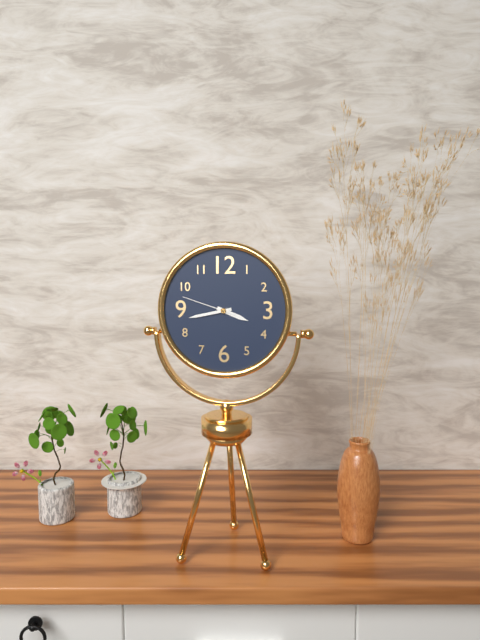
3:43:48
